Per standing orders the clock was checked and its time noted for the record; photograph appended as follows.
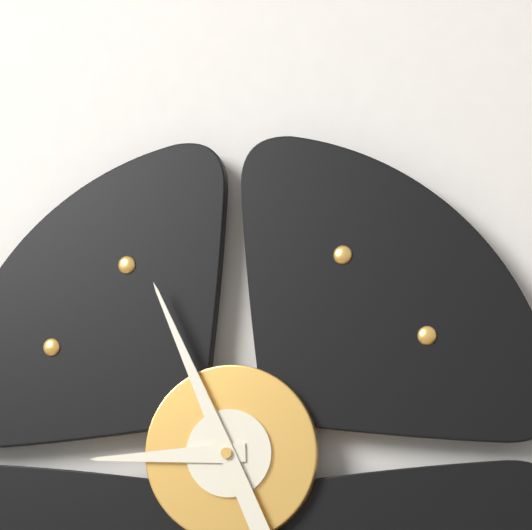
8:56
